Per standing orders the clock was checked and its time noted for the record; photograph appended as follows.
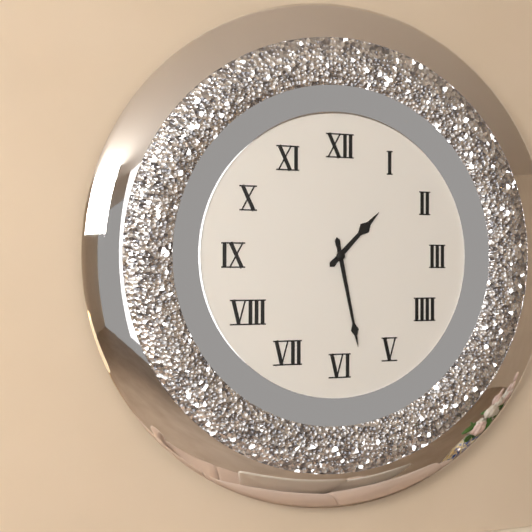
1:28
